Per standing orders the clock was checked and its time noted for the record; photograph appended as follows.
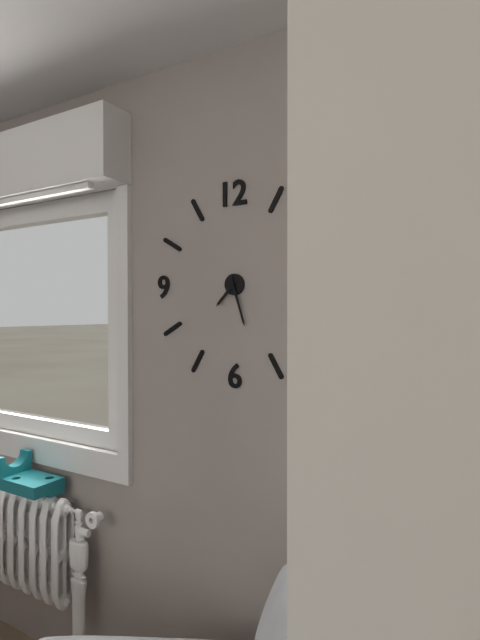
7:27
